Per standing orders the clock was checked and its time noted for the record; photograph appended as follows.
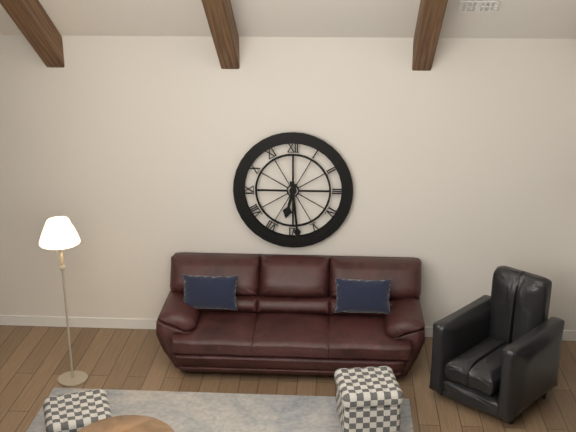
6:29
